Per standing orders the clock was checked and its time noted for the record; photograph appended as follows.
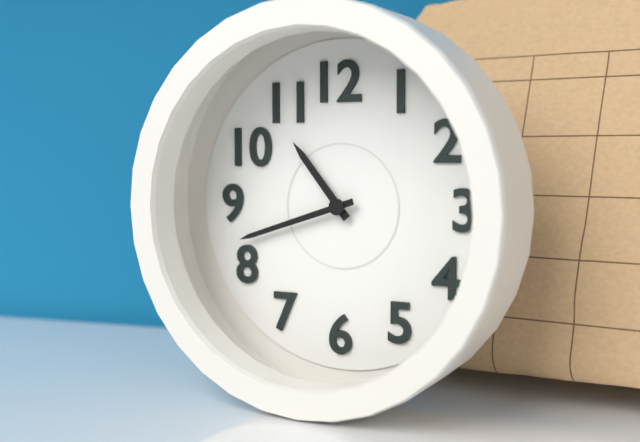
10:42
